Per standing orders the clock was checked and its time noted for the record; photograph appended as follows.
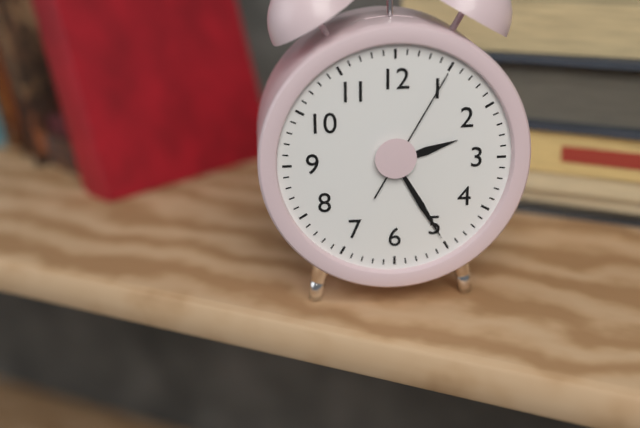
2:25:05
